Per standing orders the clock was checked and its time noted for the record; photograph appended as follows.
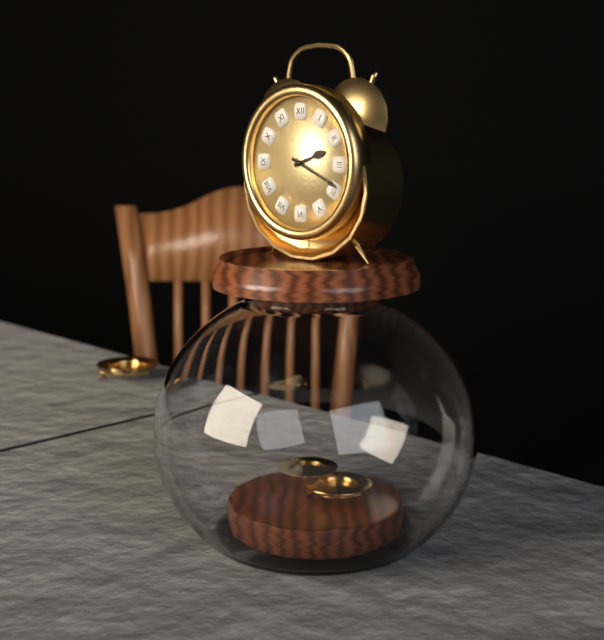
2:19
